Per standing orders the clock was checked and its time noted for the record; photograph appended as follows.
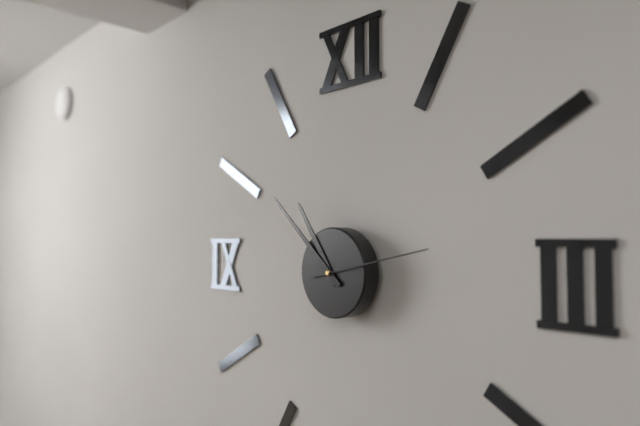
10:52:13
